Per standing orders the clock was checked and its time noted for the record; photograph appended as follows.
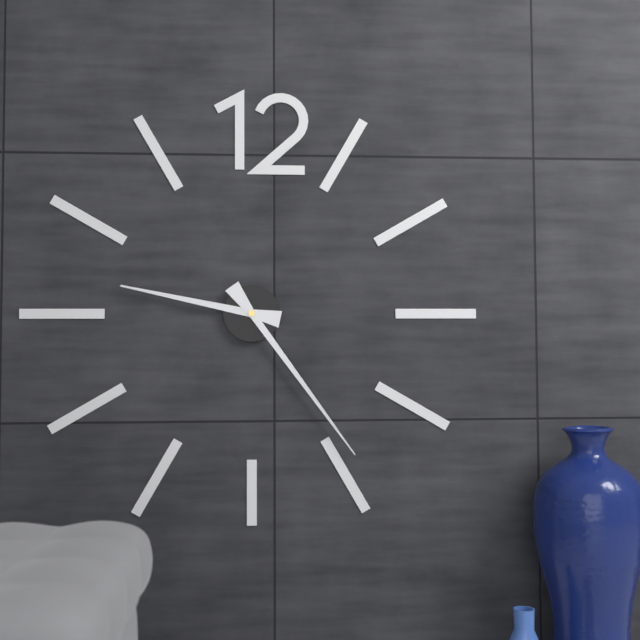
9:24
